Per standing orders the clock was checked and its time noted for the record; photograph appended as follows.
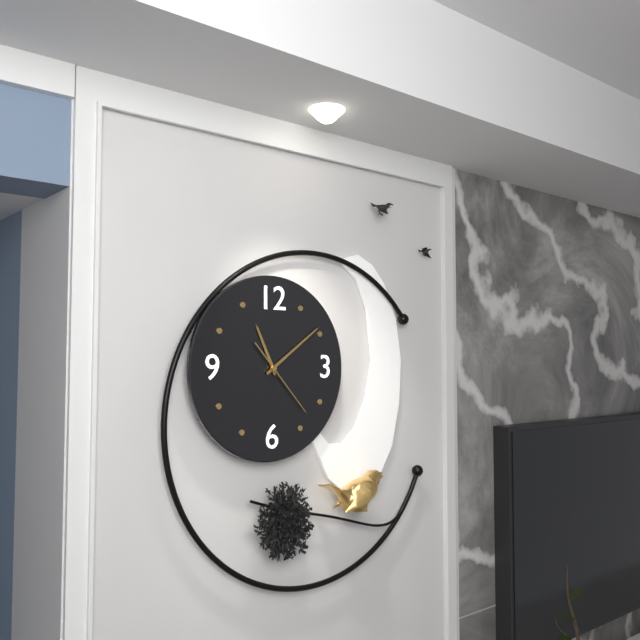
11:09:23
